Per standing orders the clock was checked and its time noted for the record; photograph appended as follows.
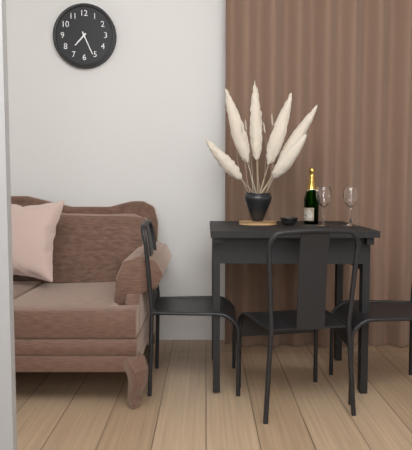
7:26
